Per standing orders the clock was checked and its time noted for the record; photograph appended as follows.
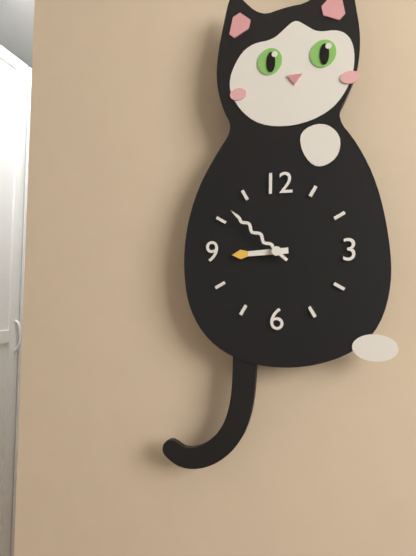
8:52
